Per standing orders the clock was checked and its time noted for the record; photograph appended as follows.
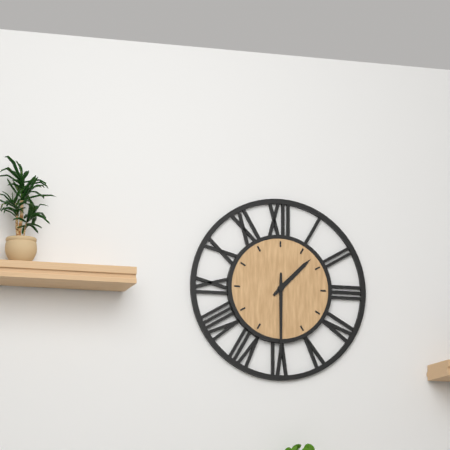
1:30
